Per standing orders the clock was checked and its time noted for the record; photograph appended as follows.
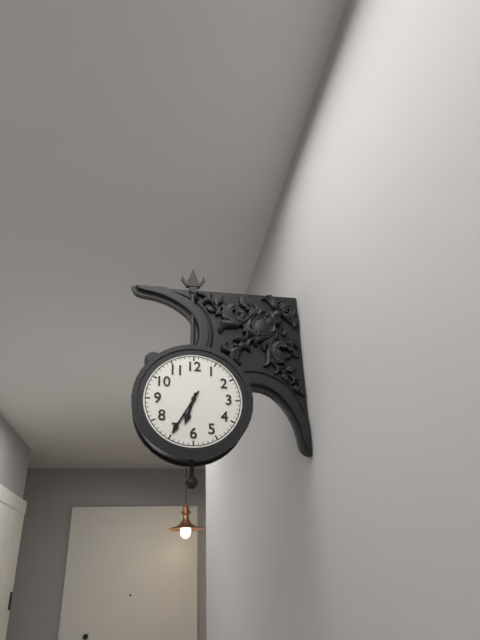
6:35
